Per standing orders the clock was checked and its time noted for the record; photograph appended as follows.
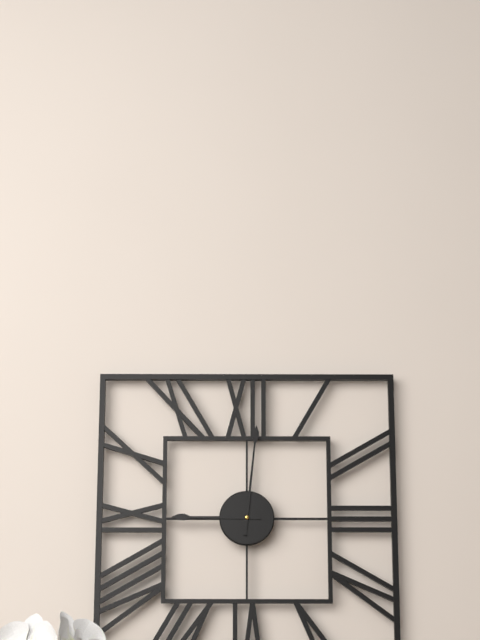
9:01
